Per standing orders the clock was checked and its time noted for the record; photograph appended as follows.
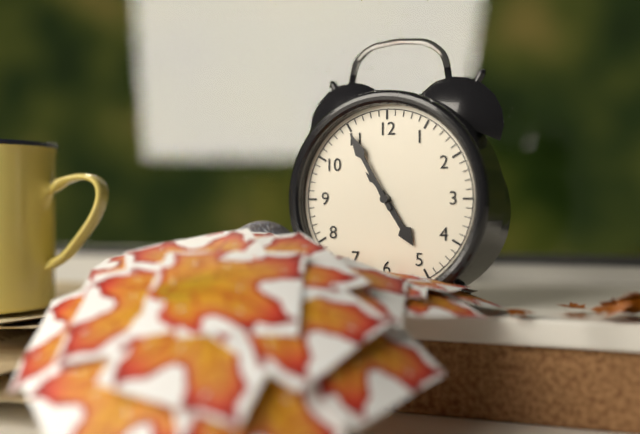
4:55
